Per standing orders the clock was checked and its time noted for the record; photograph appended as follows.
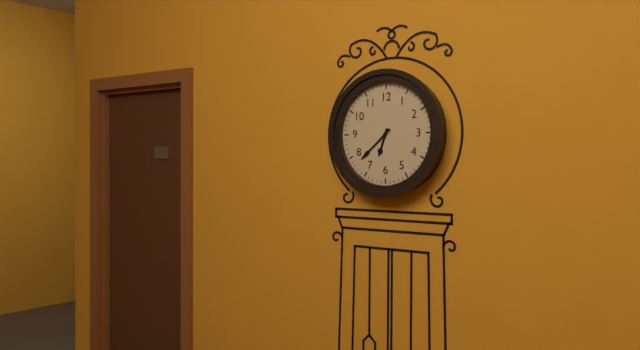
6:38
